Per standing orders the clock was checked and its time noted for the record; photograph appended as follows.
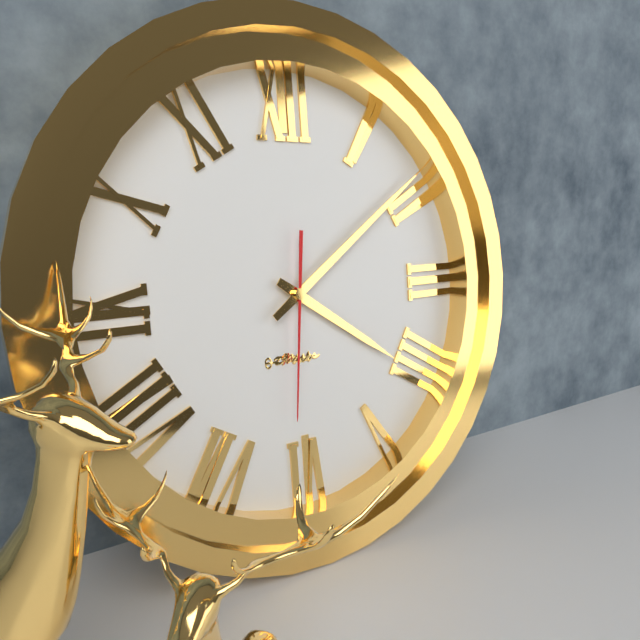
4:09:31
